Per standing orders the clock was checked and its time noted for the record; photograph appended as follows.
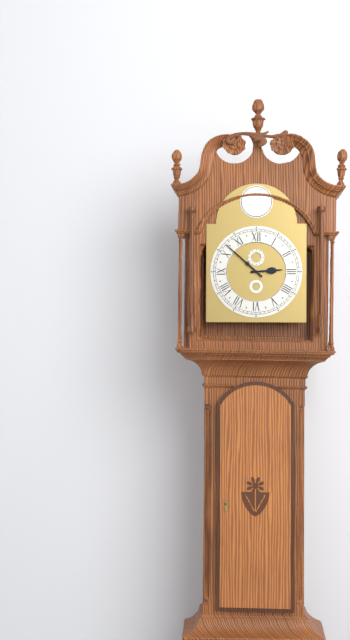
2:52
